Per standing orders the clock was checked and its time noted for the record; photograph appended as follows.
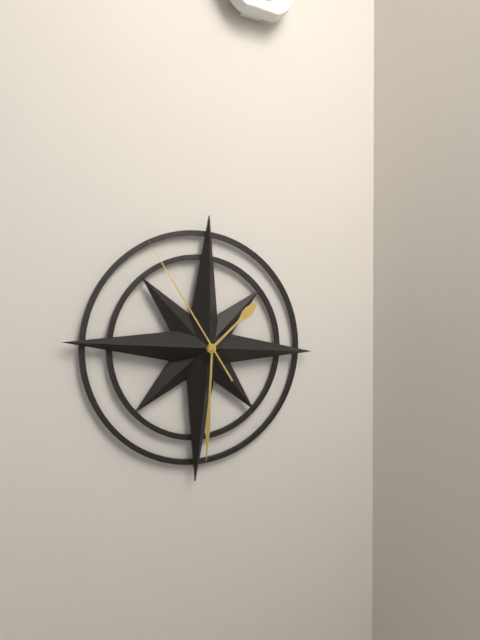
1:30:54
